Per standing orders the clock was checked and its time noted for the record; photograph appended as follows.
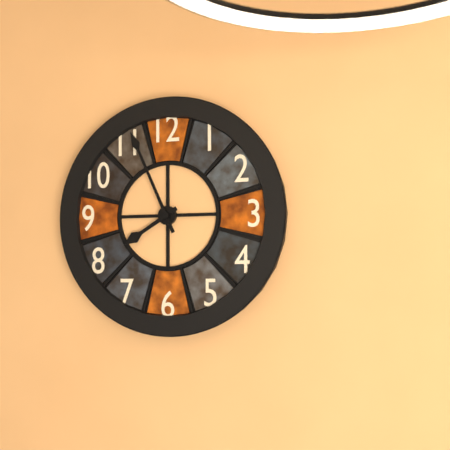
7:56
